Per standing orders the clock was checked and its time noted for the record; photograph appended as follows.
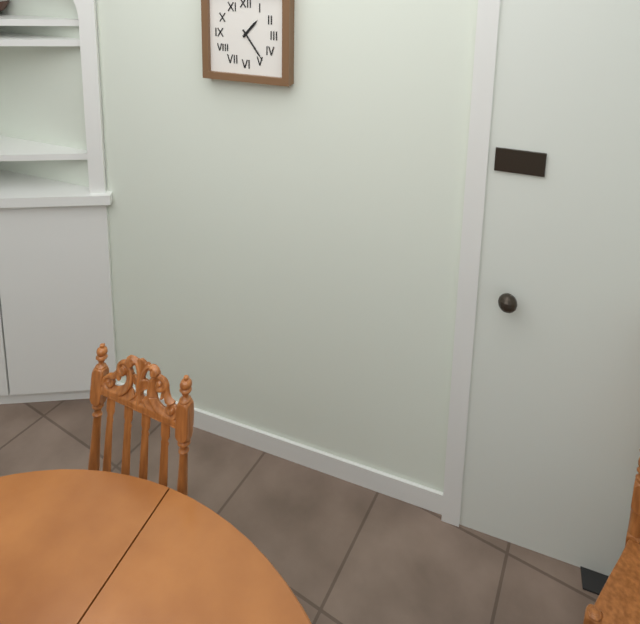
1:24
